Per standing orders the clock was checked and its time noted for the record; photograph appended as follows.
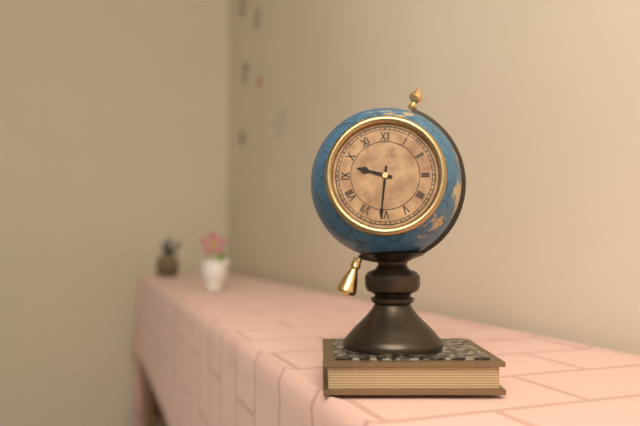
9:31
